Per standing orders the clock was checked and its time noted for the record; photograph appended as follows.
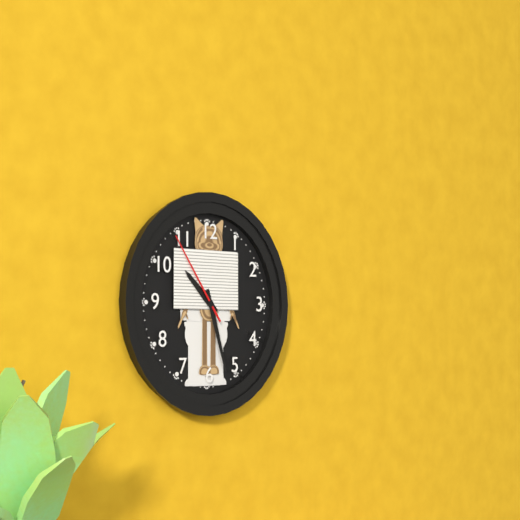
10:27:54
